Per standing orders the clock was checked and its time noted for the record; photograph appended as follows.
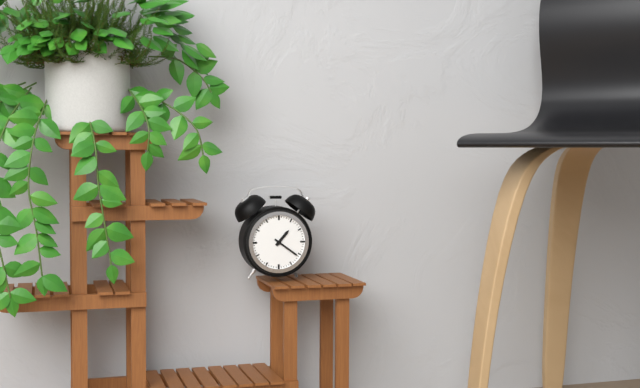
1:21
